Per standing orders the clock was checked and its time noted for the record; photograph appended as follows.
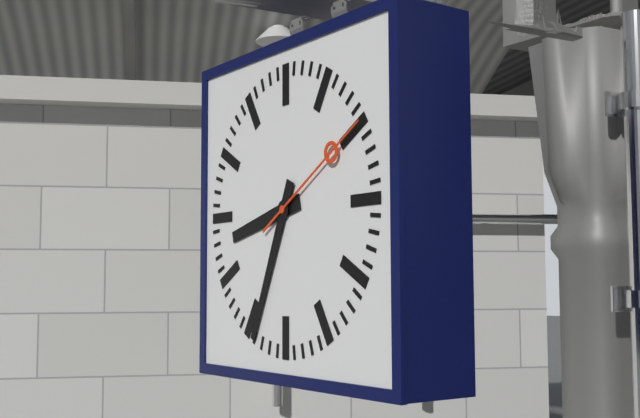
8:34:10
